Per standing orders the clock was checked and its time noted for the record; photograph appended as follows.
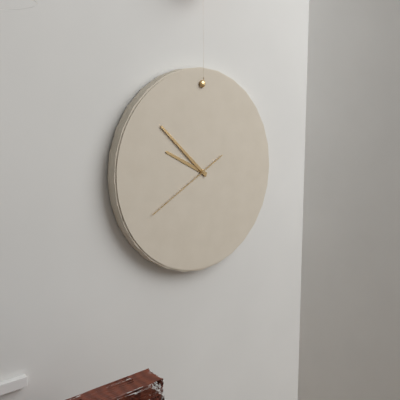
9:52:40
